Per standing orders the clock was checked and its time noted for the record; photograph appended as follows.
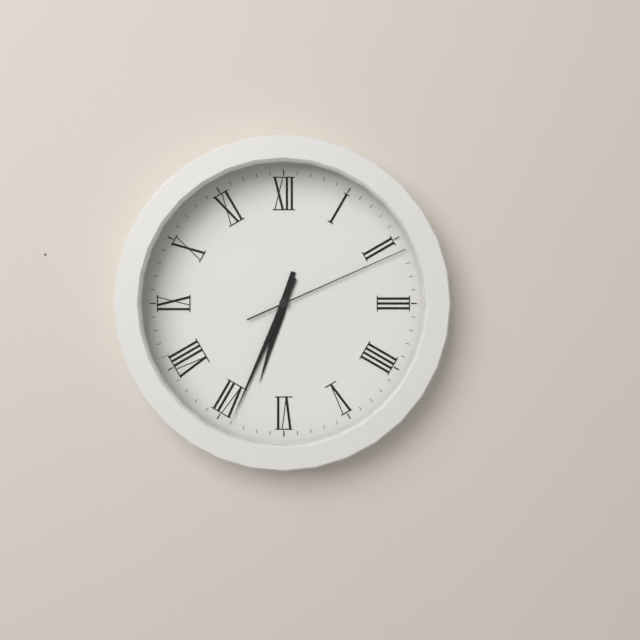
6:34:11
